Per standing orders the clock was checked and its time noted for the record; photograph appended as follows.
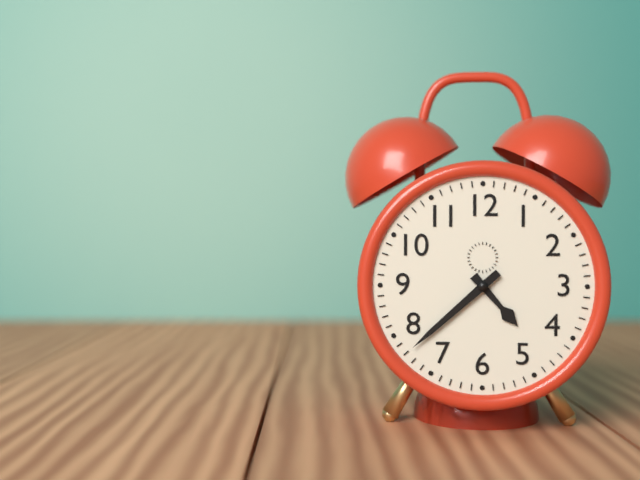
4:38
